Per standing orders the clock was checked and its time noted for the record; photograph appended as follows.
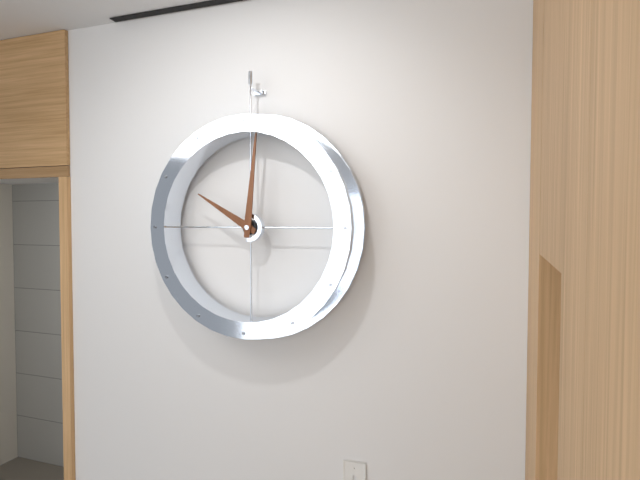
10:01
